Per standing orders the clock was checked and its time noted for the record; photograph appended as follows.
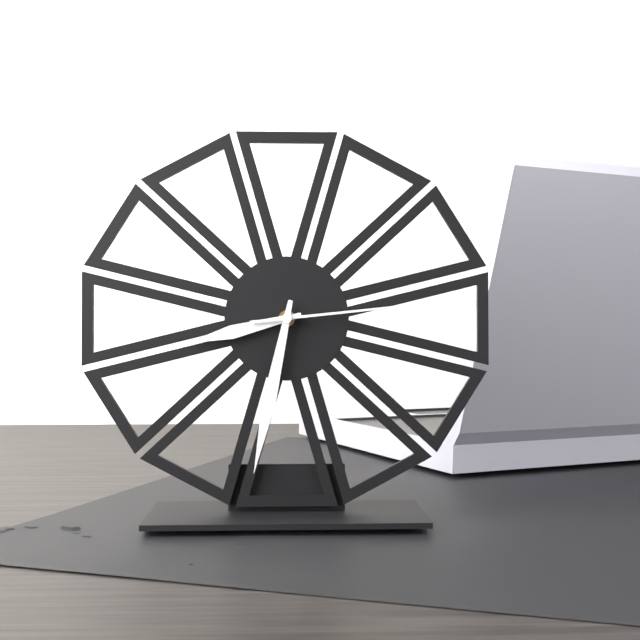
8:32:14
